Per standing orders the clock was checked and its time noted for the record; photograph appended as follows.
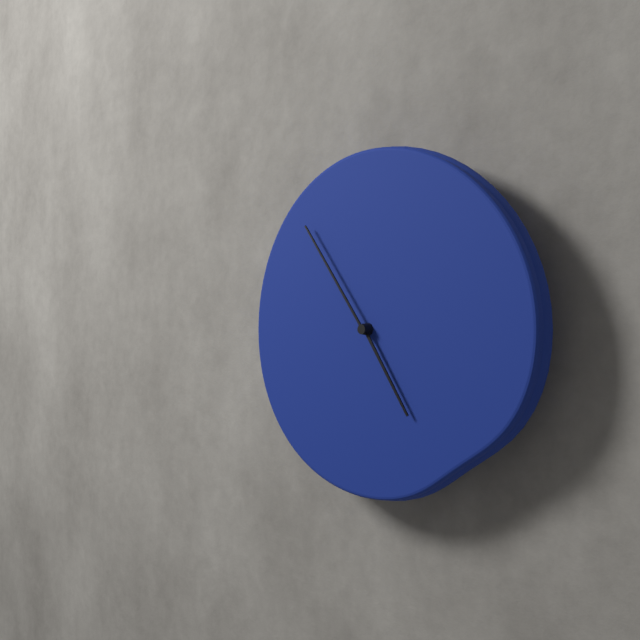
4:54
